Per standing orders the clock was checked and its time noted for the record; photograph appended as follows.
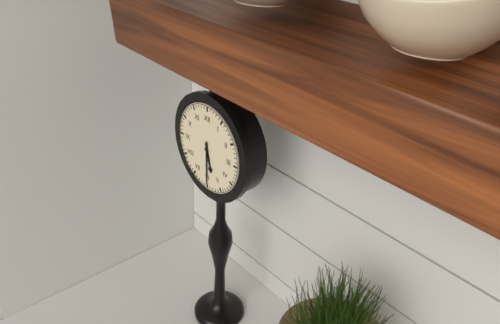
5:30
